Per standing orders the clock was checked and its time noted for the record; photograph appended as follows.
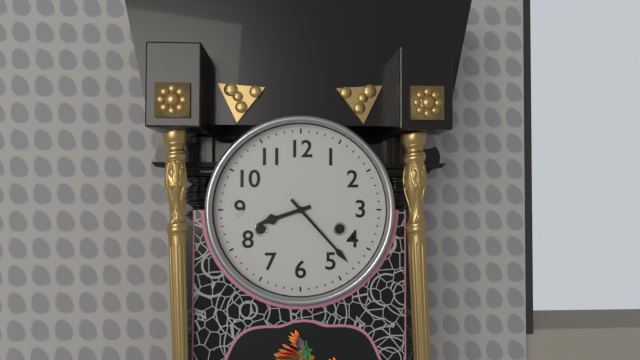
8:23
